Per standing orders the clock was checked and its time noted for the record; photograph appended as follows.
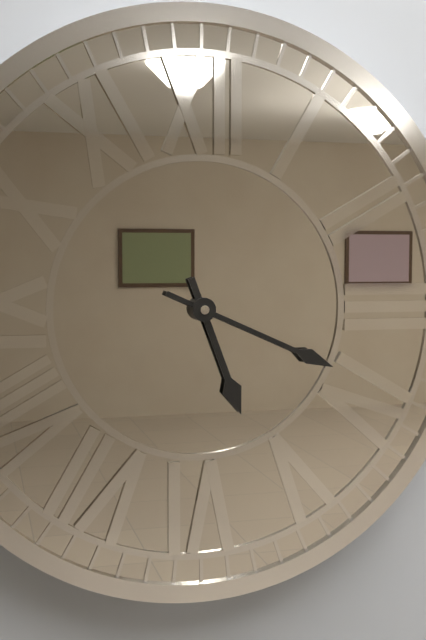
5:19
